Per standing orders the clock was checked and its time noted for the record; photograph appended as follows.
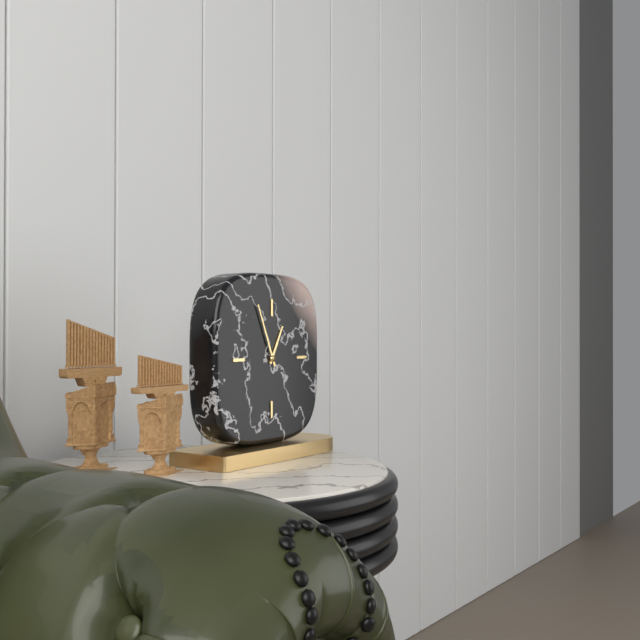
12:56
